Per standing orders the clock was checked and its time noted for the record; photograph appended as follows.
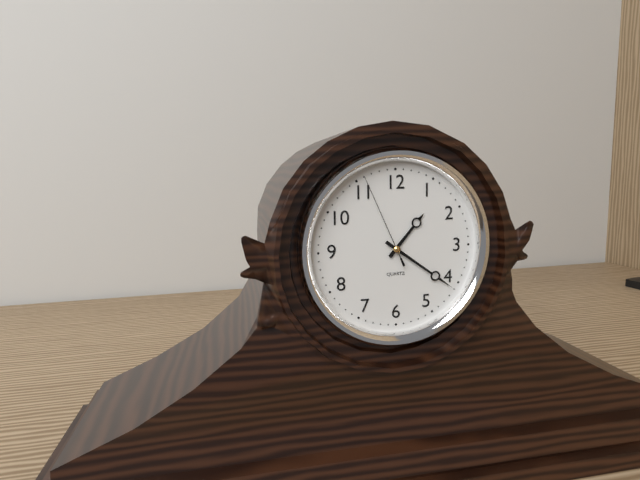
1:21:56
